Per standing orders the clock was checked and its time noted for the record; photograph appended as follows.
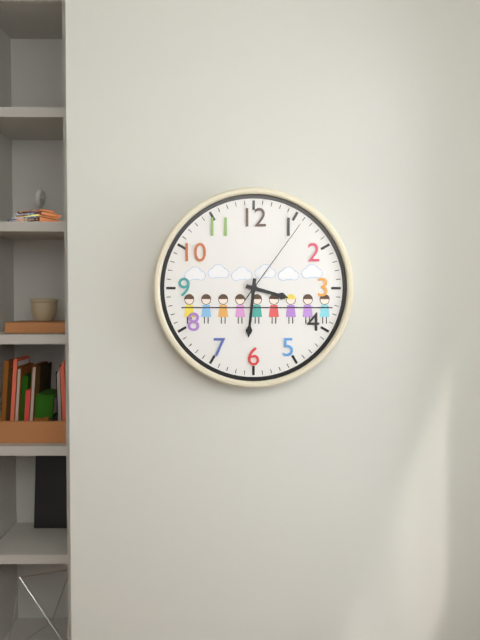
3:31:06
